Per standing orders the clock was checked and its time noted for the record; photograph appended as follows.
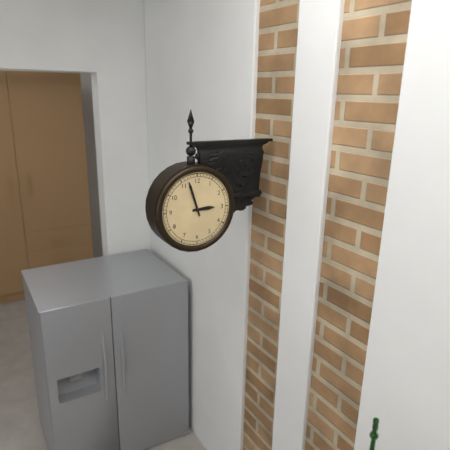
2:57
